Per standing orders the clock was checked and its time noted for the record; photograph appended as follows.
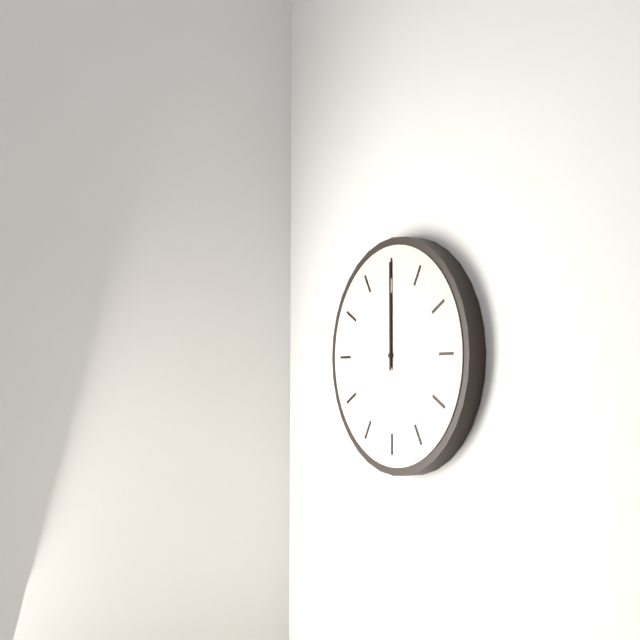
12:00
